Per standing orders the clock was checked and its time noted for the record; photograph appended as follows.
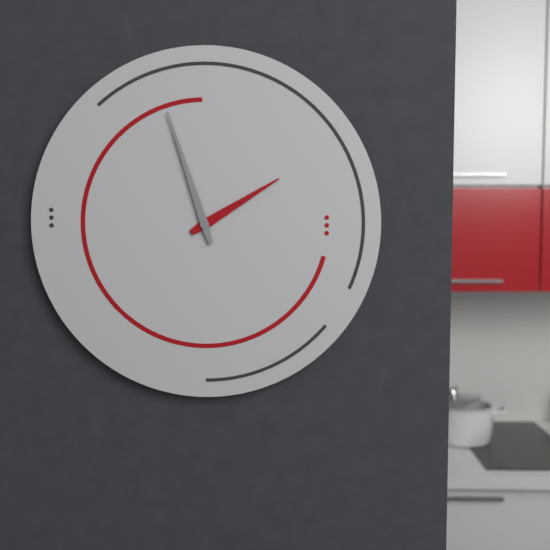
1:57
